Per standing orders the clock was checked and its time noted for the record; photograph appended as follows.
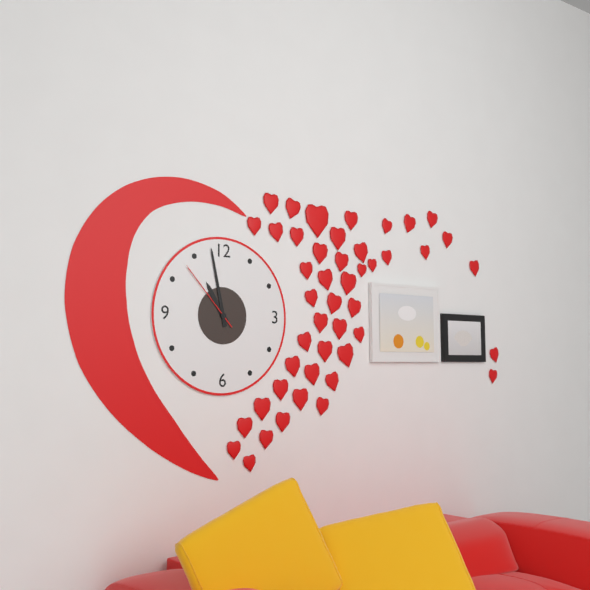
10:58:53
